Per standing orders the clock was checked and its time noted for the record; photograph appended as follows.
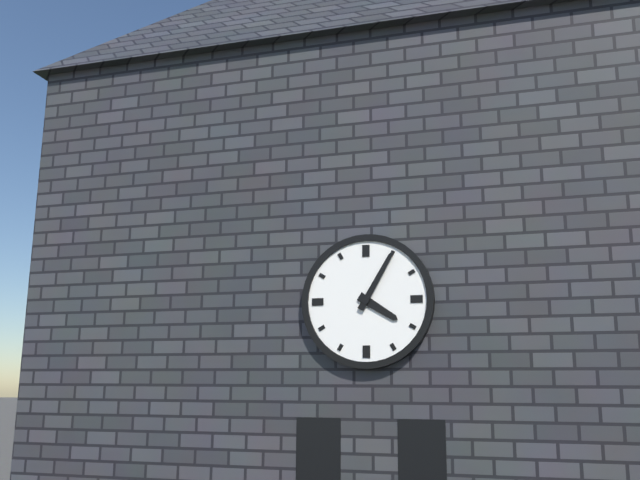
4:05
